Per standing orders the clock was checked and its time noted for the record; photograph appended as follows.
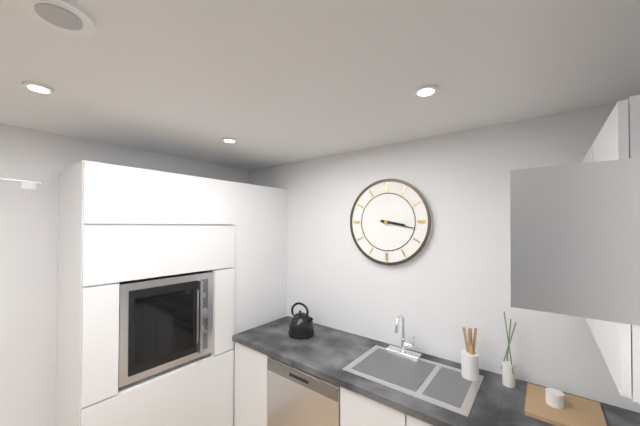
3:17
